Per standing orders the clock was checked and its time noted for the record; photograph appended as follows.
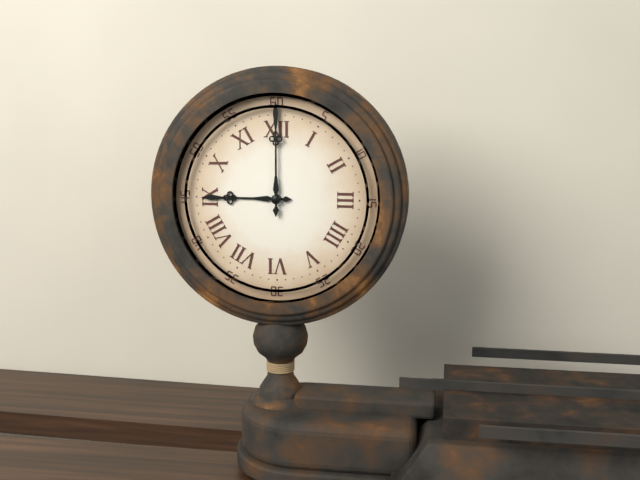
9:00
